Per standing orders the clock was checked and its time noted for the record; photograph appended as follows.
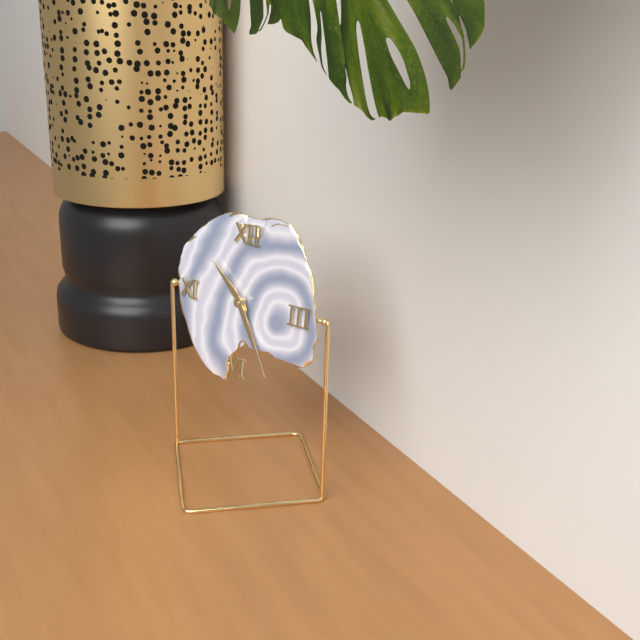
10:25
